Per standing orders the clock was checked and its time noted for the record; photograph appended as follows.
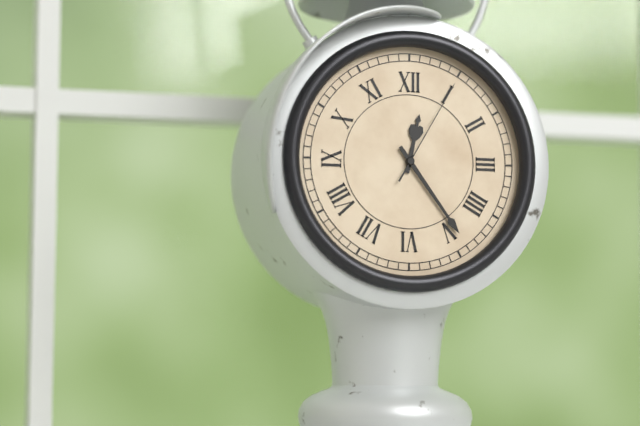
12:24:05
